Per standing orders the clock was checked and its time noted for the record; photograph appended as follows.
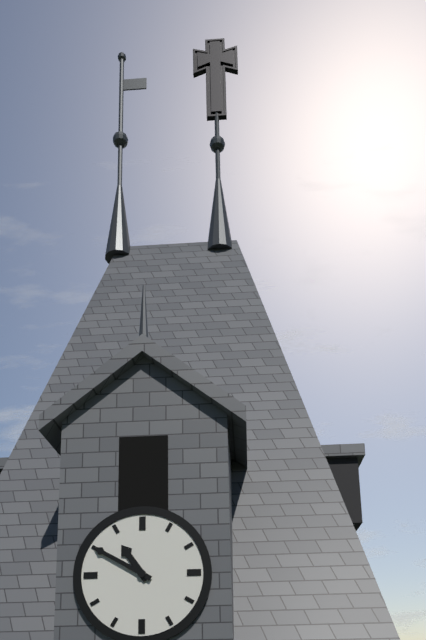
10:50
